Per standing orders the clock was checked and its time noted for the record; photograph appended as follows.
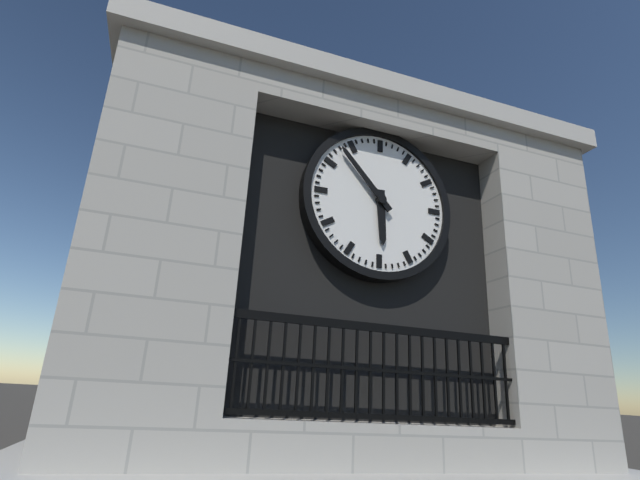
5:53
